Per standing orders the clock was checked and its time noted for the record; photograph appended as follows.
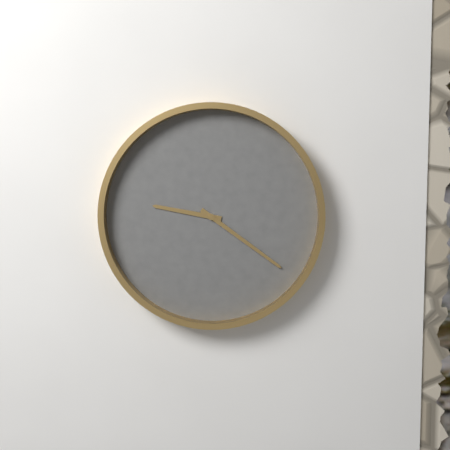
9:21
